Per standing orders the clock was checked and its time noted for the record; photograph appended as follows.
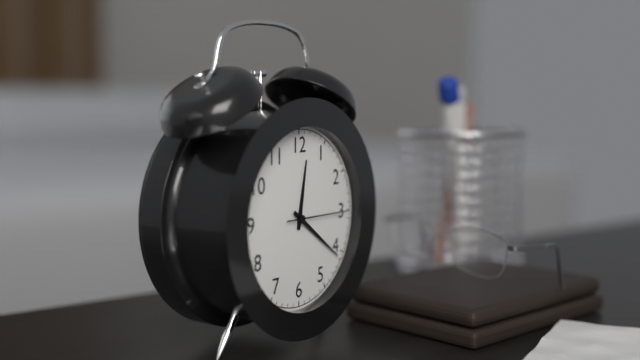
12:21:15
